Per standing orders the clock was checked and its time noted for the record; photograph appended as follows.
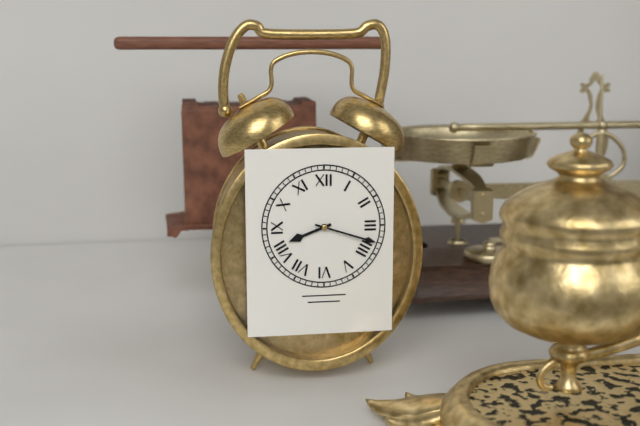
8:18
